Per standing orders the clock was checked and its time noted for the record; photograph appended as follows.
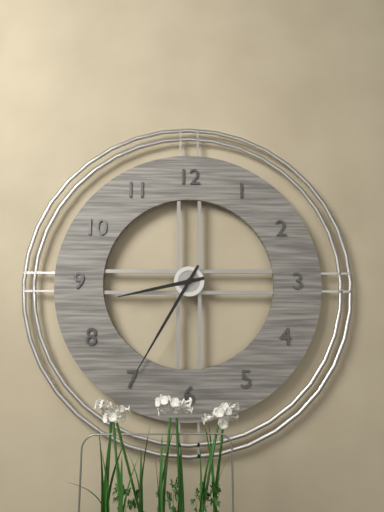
8:35
